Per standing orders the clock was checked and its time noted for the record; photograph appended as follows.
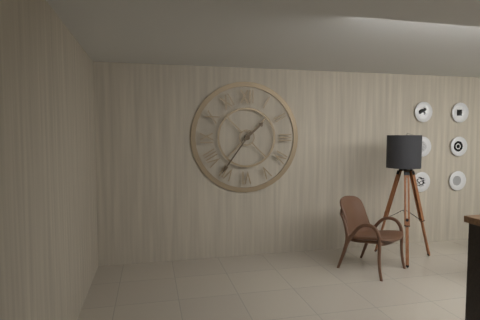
1:36
